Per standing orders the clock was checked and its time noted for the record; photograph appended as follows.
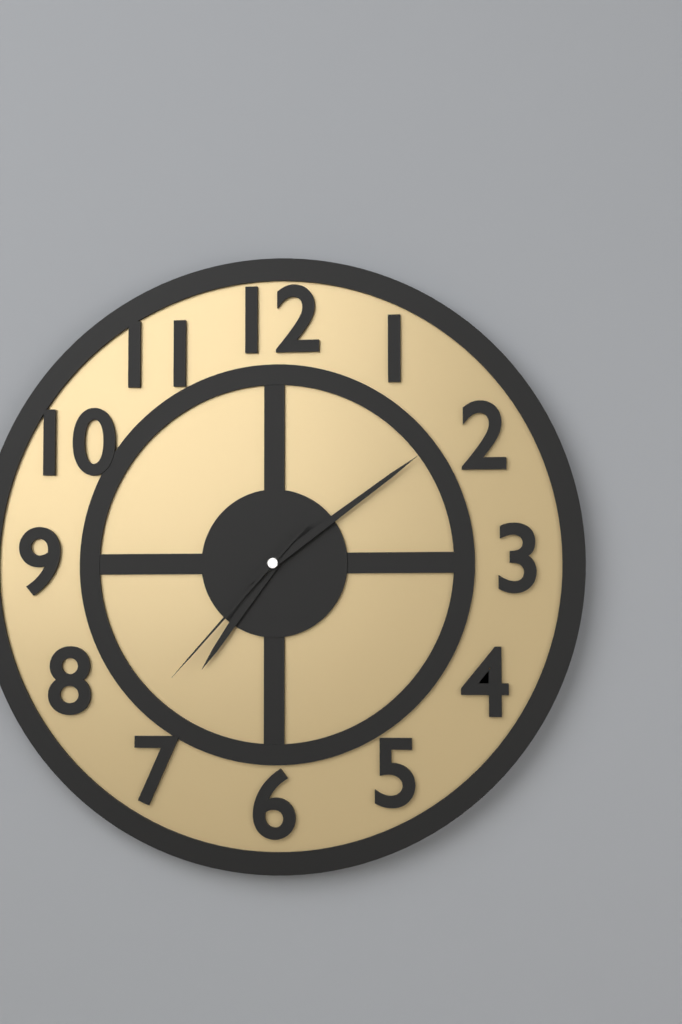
7:09:37
